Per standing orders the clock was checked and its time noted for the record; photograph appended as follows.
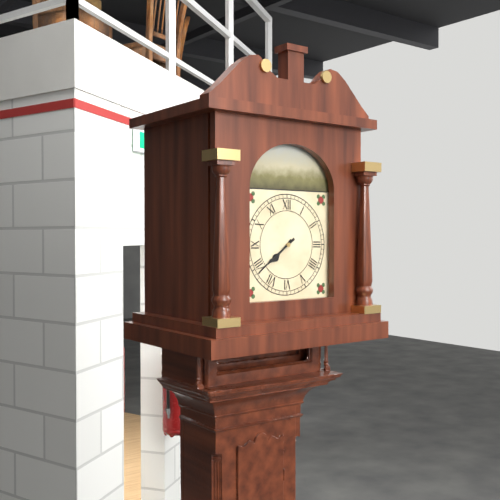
7:39
